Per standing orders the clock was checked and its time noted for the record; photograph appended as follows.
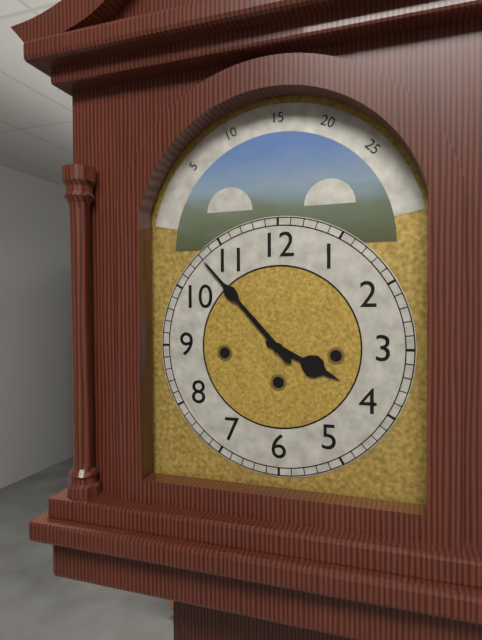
3:53
